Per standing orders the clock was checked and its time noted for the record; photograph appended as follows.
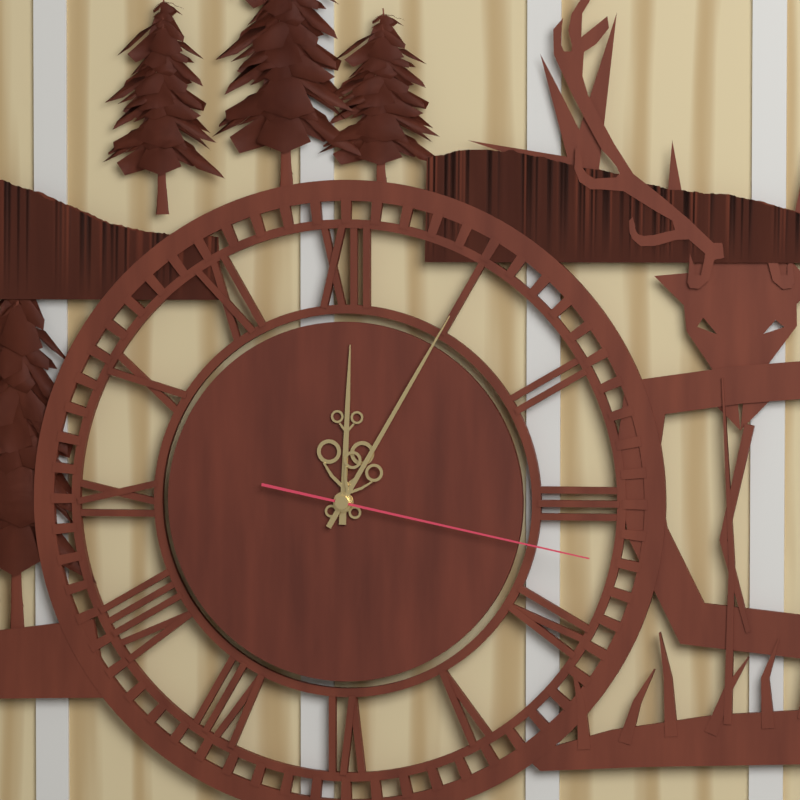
12:05:17
